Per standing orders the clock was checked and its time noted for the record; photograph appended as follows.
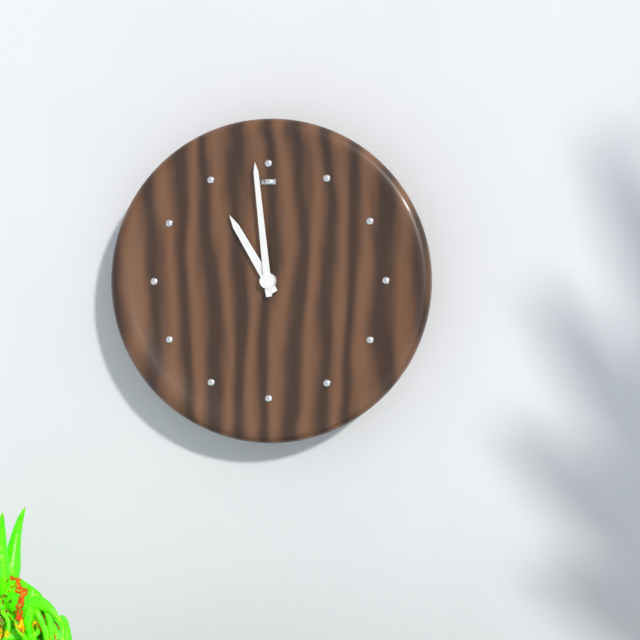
10:59
